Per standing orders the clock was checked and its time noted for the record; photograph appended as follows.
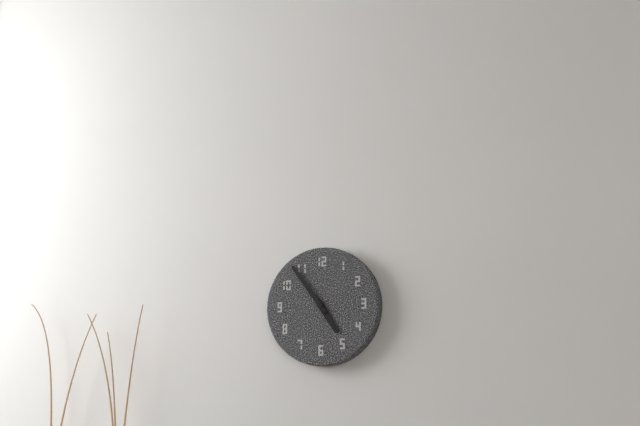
4:54
